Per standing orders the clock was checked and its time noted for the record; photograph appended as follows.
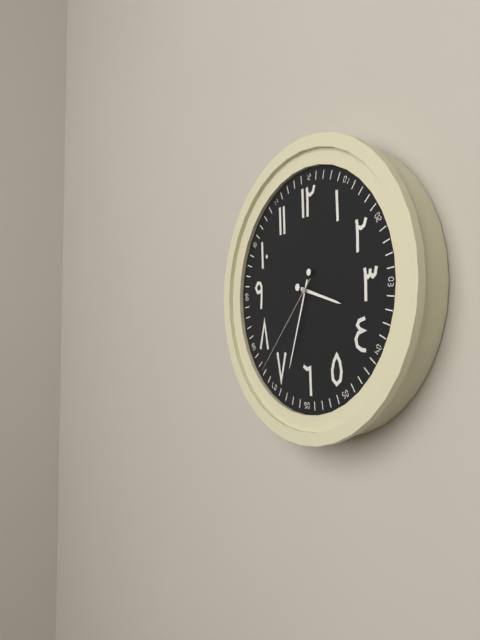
3:33:37
